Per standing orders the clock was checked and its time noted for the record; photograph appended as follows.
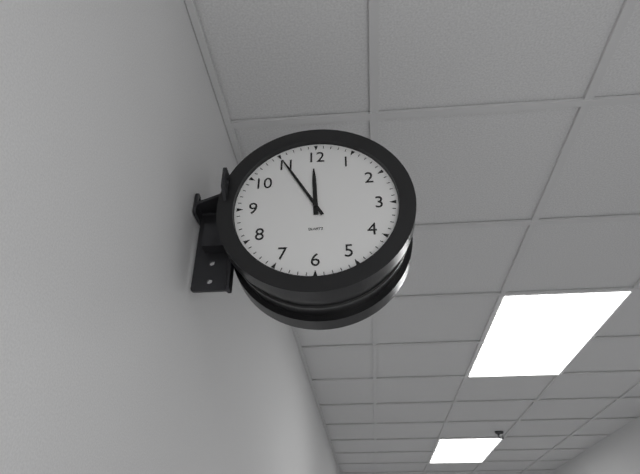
11:55
